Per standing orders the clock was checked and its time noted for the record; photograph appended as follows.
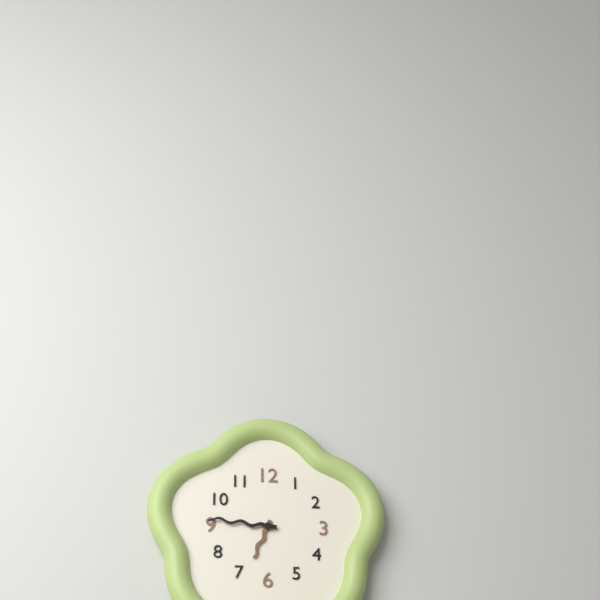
6:46
